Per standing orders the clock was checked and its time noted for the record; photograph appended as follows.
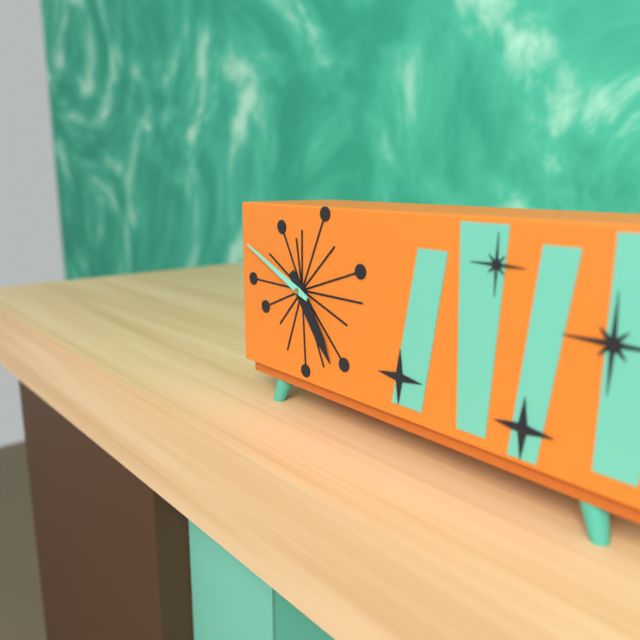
4:49
